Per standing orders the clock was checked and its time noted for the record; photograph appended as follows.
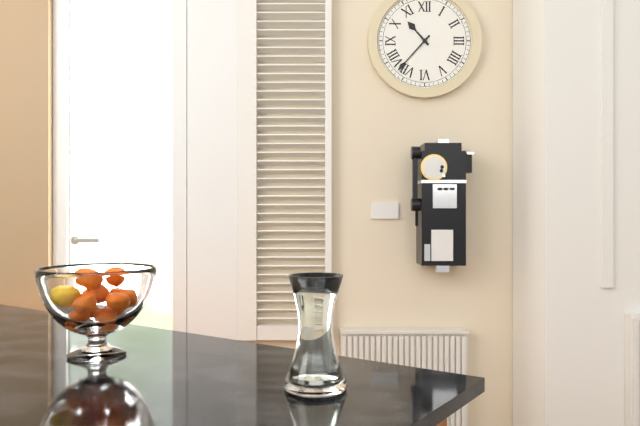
10:37
